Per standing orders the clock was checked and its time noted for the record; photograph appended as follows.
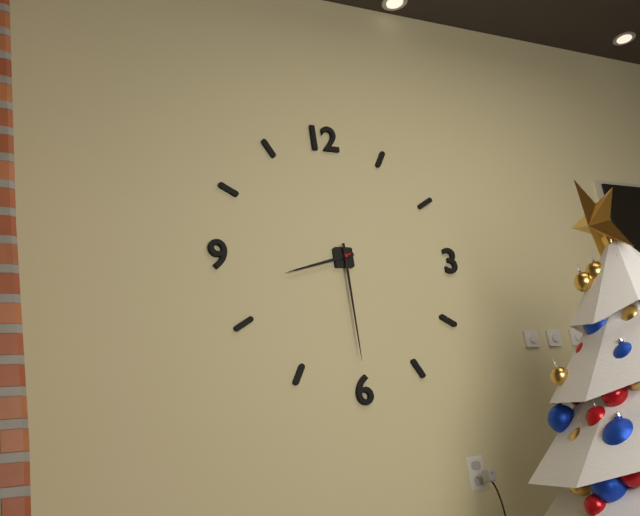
8:30
